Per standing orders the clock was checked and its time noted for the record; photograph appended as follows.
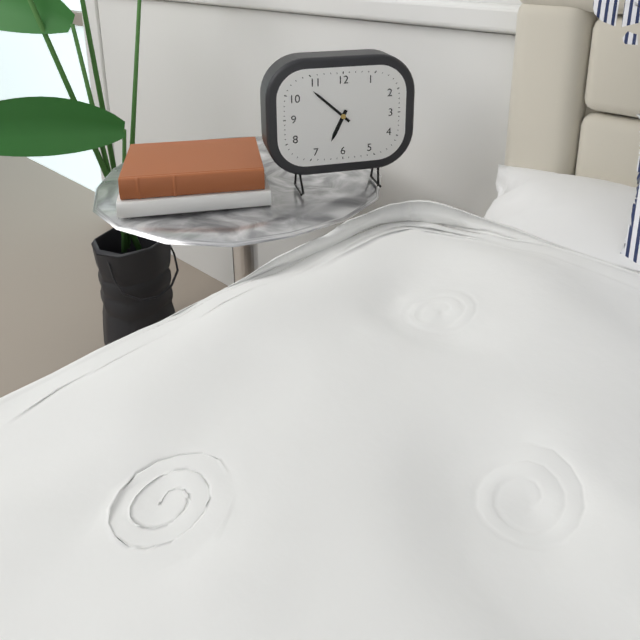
6:52
